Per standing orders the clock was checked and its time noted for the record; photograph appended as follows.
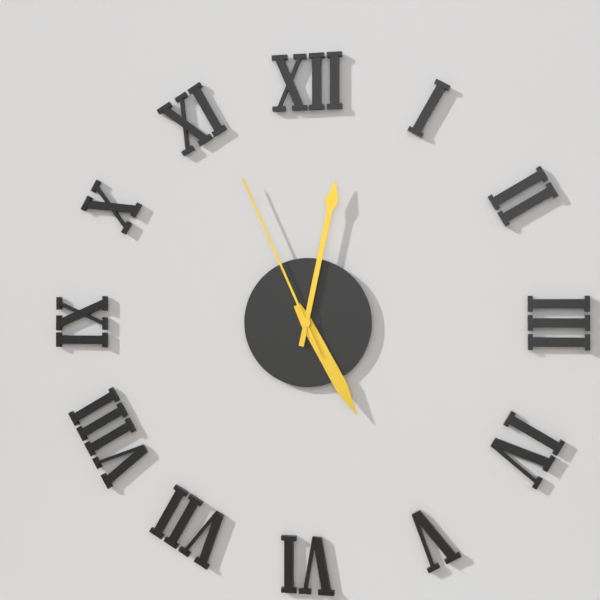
5:02:56
